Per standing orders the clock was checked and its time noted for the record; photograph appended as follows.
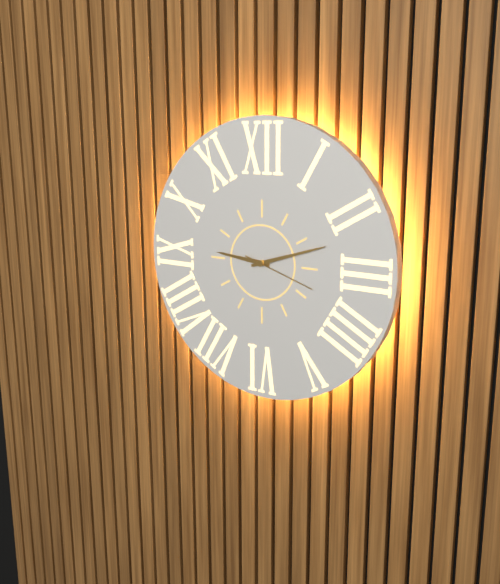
9:12:18
